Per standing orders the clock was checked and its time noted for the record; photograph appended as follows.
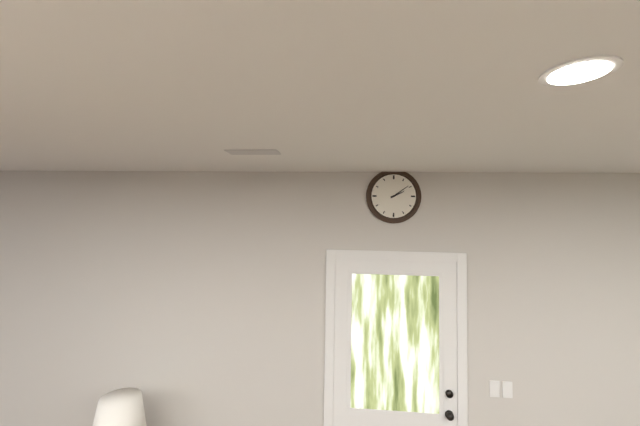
2:09
